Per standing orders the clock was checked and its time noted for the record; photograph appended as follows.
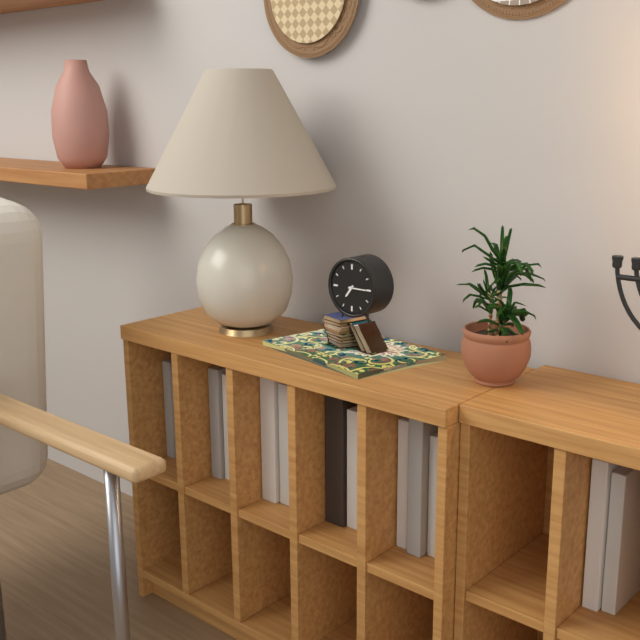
7:15
